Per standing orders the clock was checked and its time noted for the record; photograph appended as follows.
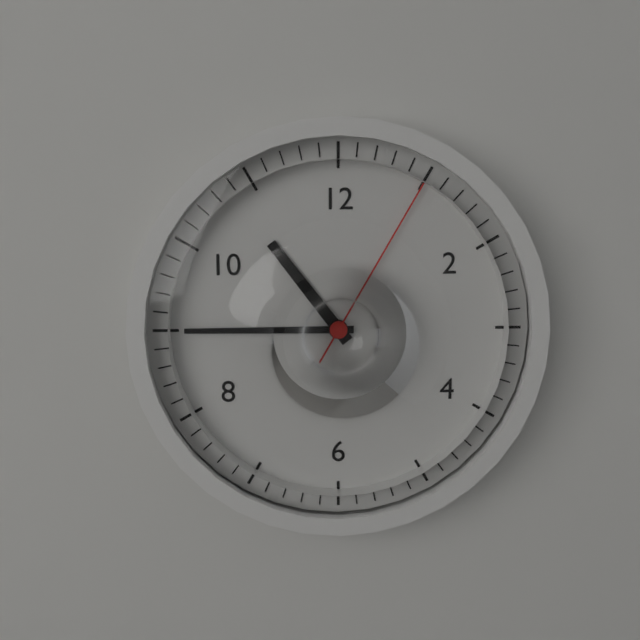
10:45:05
